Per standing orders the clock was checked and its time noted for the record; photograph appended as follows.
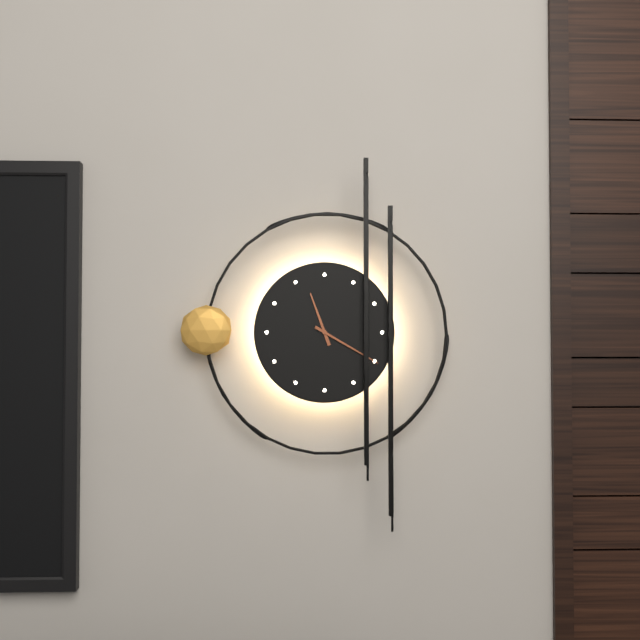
11:20
